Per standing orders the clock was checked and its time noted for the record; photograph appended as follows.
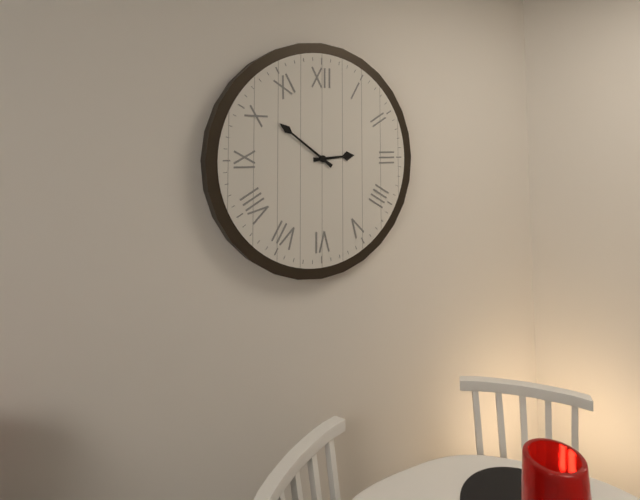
2:51
